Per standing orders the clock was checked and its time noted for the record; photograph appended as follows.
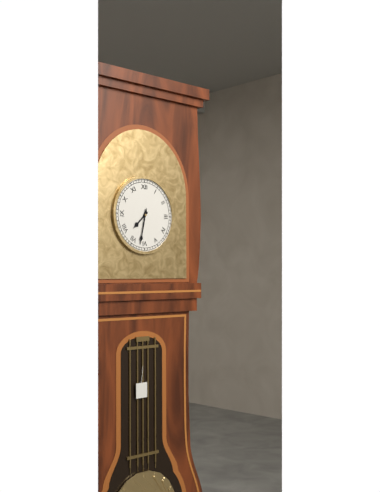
7:32
